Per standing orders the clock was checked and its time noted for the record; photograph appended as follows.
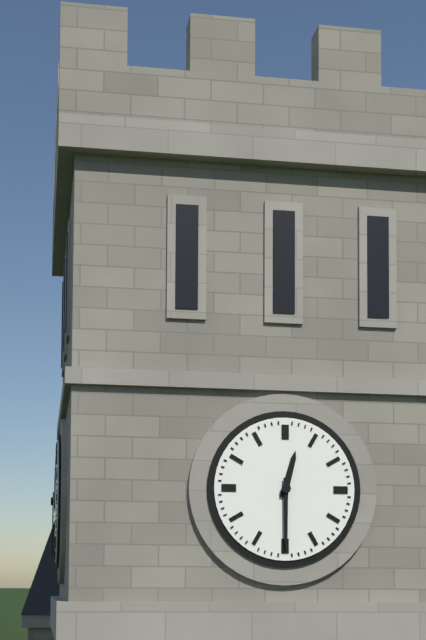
12:30
